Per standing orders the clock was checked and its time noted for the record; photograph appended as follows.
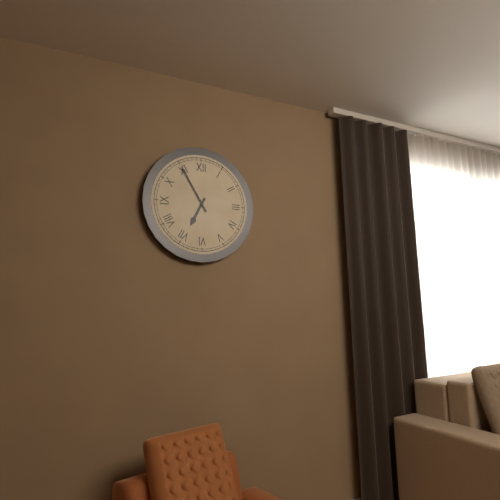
6:55
